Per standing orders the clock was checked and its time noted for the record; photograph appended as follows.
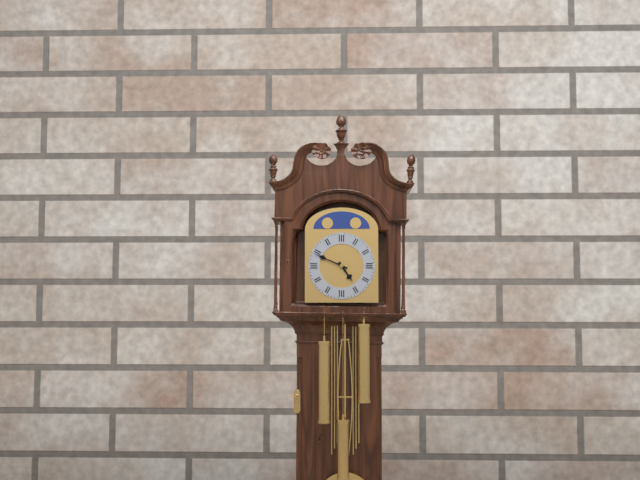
4:49
